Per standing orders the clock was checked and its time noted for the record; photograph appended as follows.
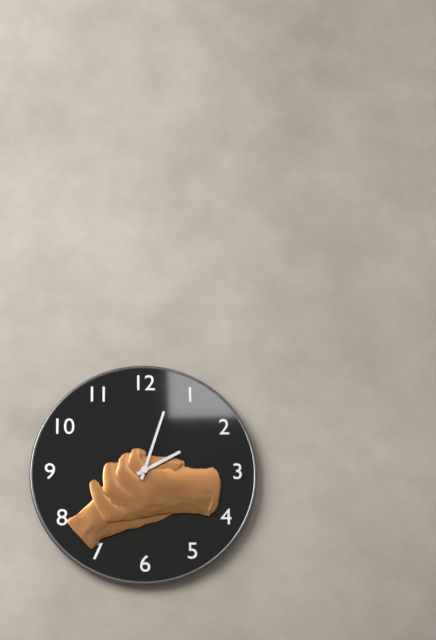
2:03
